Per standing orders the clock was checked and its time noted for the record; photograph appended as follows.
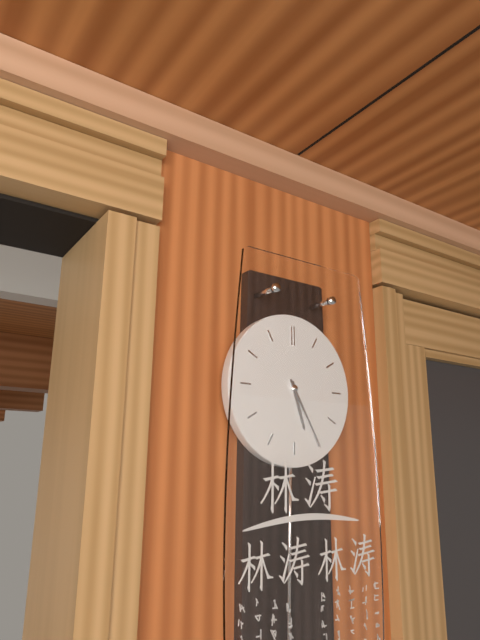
5:25
